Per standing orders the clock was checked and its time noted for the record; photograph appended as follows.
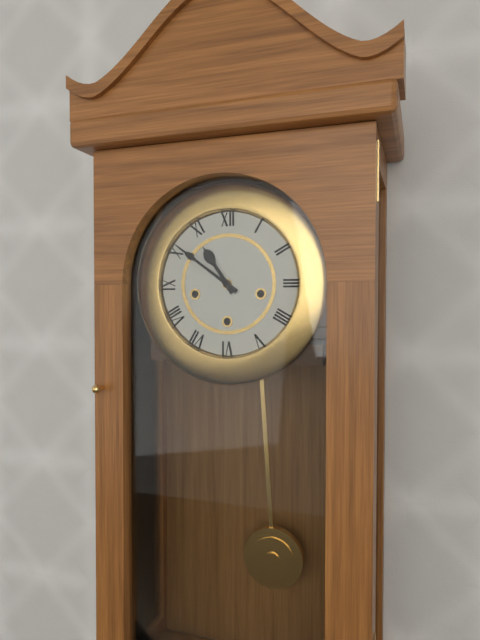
10:51
